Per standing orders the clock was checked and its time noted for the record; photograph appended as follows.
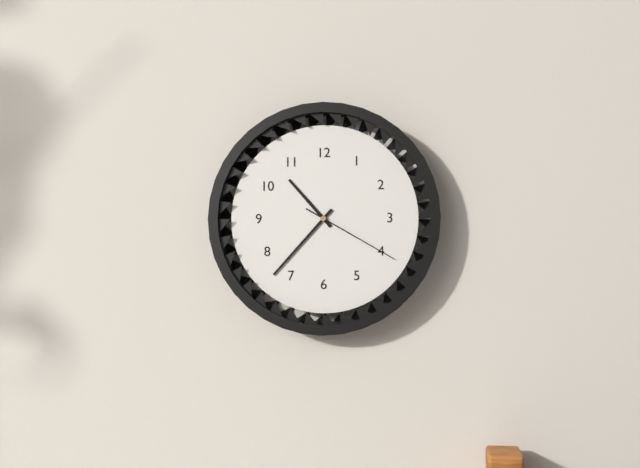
10:37:20
